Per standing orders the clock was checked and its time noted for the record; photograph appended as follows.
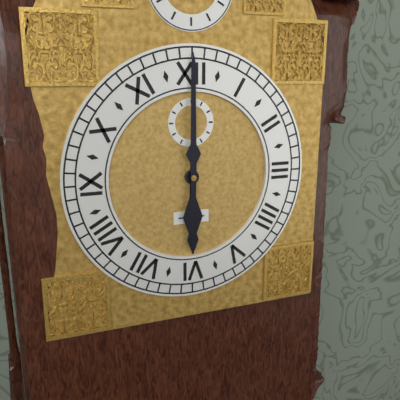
6:00
